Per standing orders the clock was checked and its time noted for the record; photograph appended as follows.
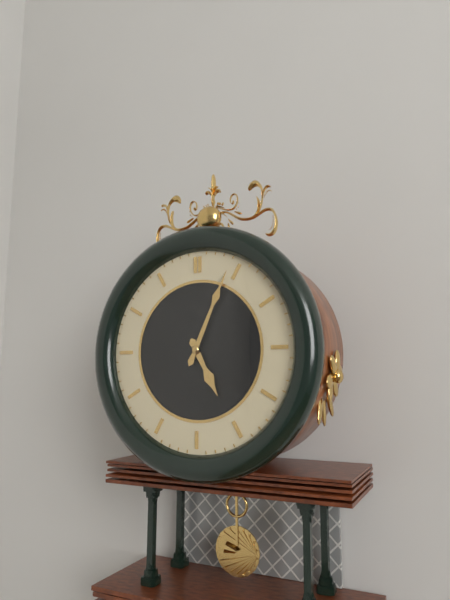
5:04
